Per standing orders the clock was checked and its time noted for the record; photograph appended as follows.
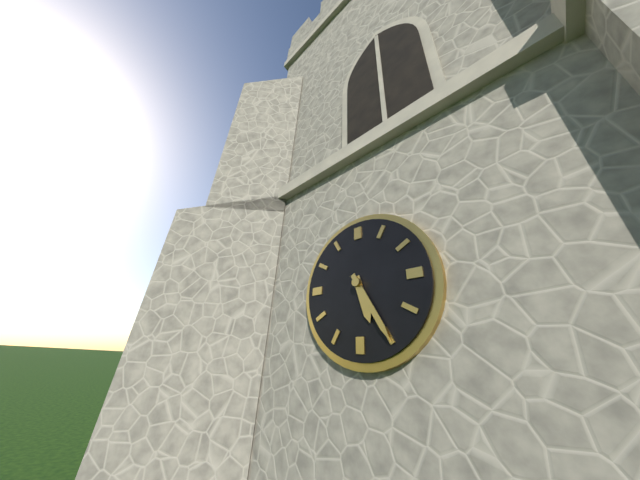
5:25
